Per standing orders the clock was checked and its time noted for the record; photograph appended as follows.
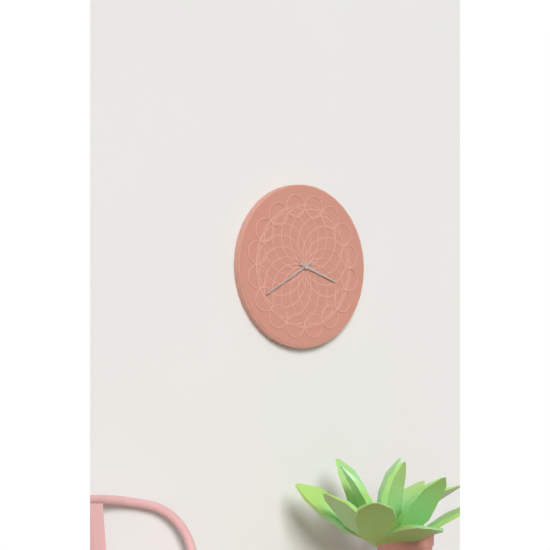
3:40
